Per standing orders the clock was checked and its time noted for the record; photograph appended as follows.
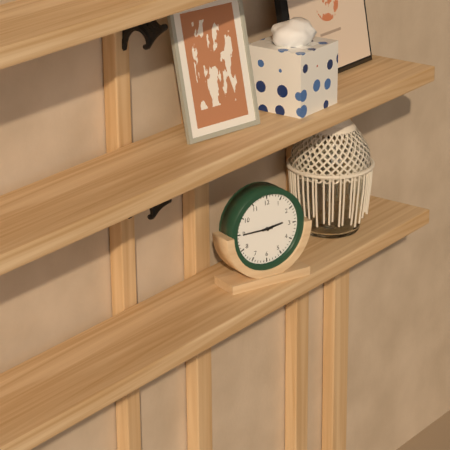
2:45
